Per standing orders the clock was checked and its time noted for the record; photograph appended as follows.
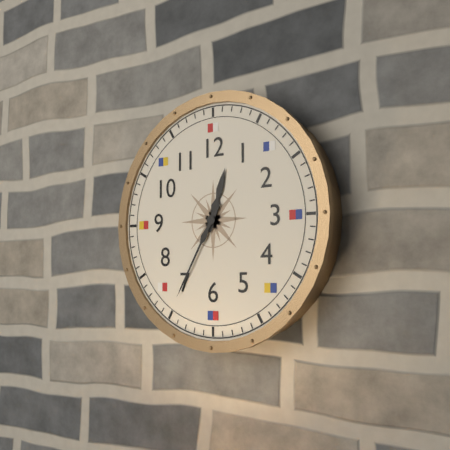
12:35
